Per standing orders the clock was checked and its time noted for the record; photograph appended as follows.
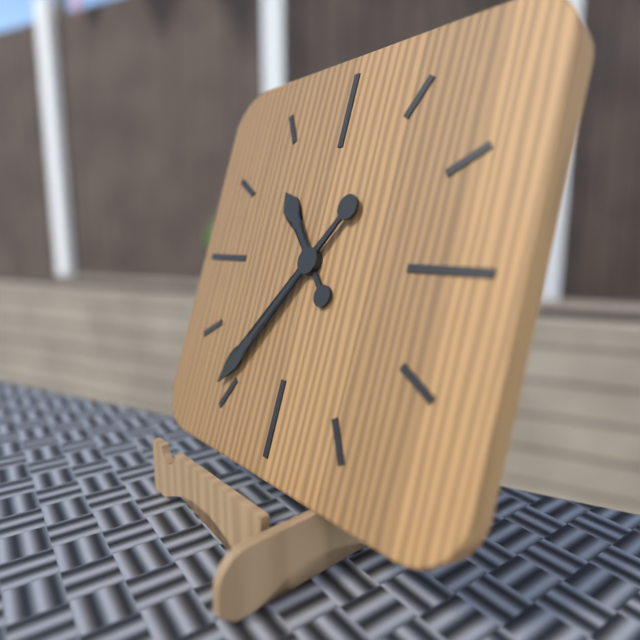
10:36
